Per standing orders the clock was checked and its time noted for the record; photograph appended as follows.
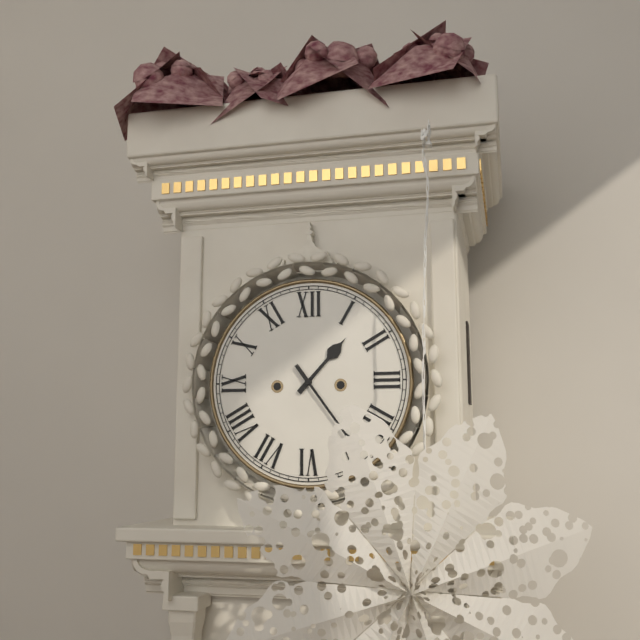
1:24
